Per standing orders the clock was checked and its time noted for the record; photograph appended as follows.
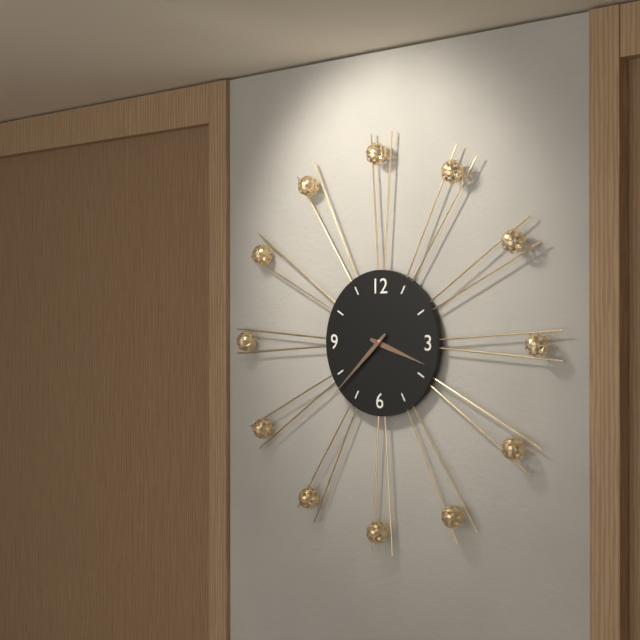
3:38
